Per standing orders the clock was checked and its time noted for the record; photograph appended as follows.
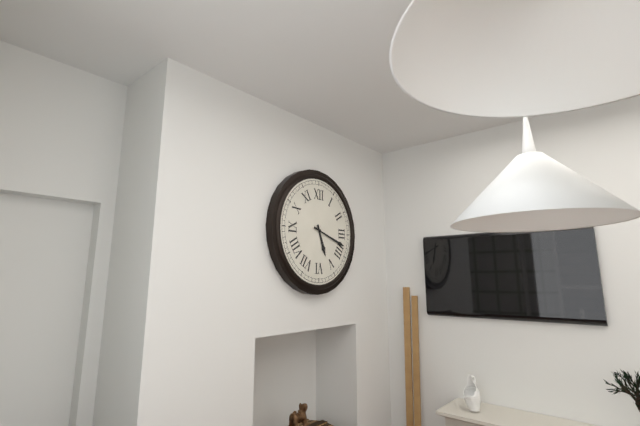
5:18
